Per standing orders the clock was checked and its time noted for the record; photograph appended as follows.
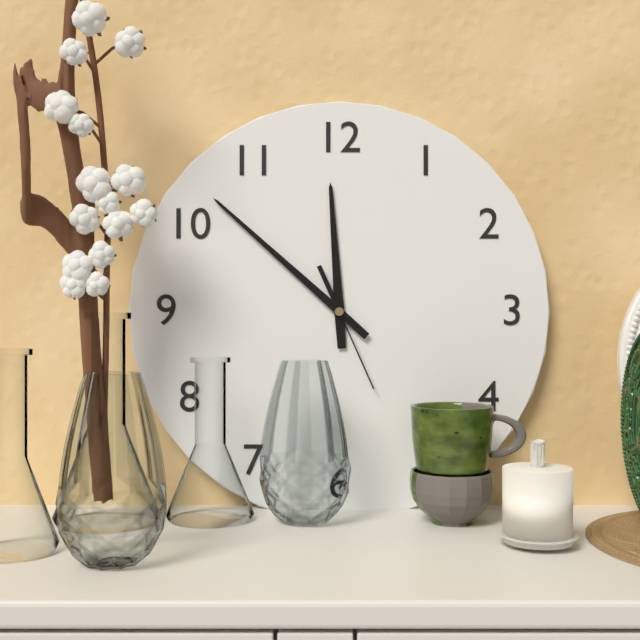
11:52:26
